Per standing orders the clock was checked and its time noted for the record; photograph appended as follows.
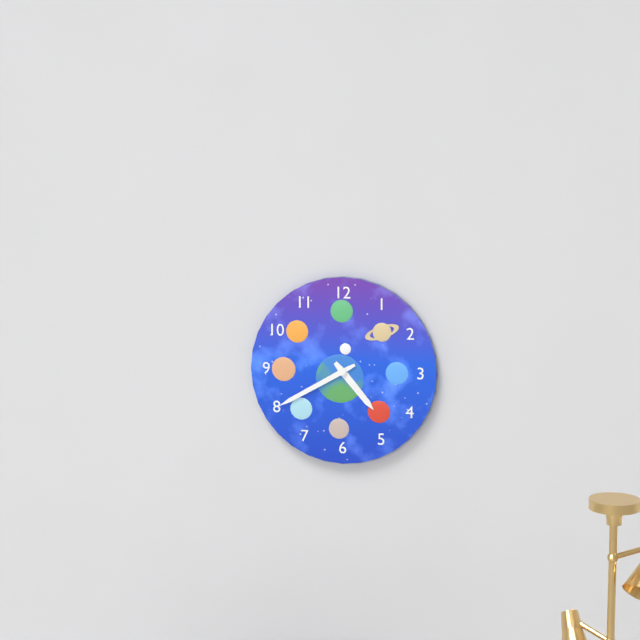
4:40
